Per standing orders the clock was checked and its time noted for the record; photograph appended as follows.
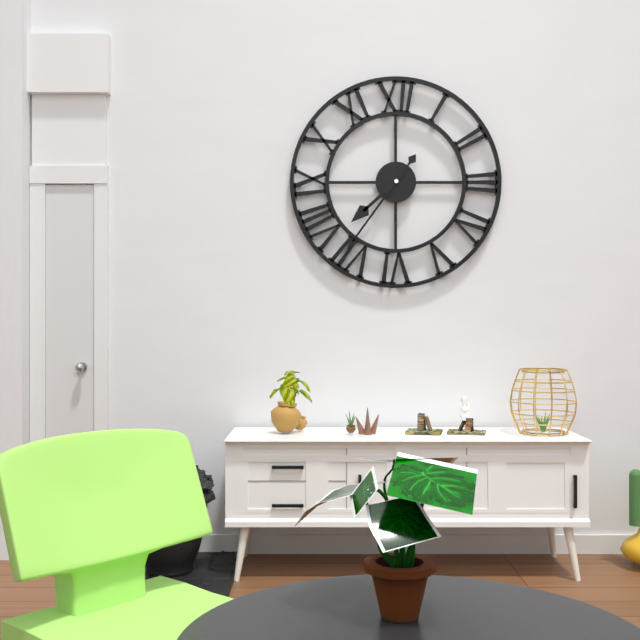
7:36
